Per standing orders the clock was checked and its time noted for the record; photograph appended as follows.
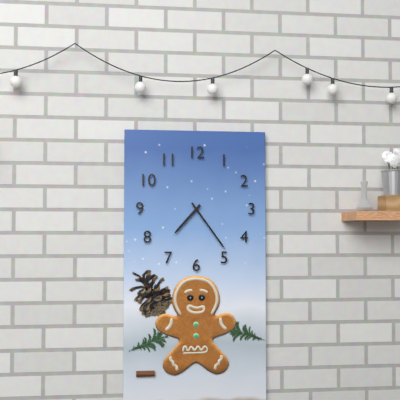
7:24
